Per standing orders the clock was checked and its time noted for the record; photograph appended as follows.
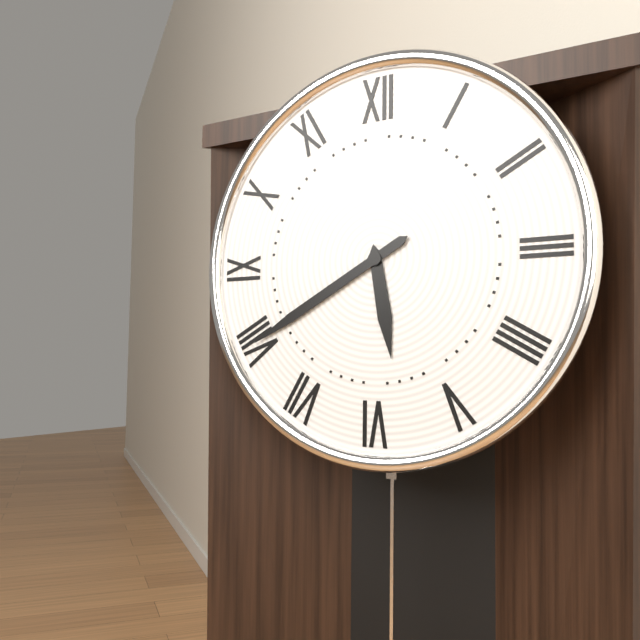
5:40
